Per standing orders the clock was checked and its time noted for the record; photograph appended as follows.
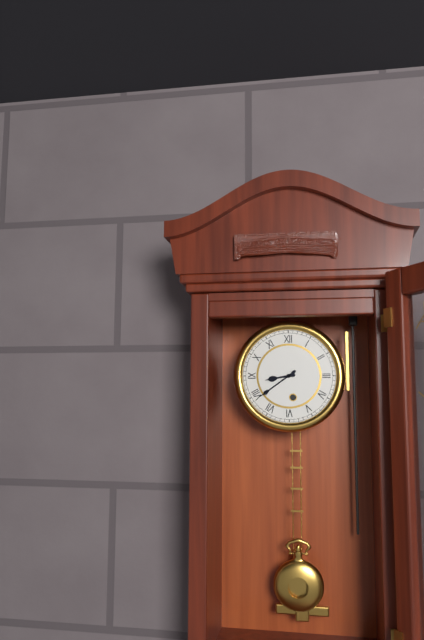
8:39
